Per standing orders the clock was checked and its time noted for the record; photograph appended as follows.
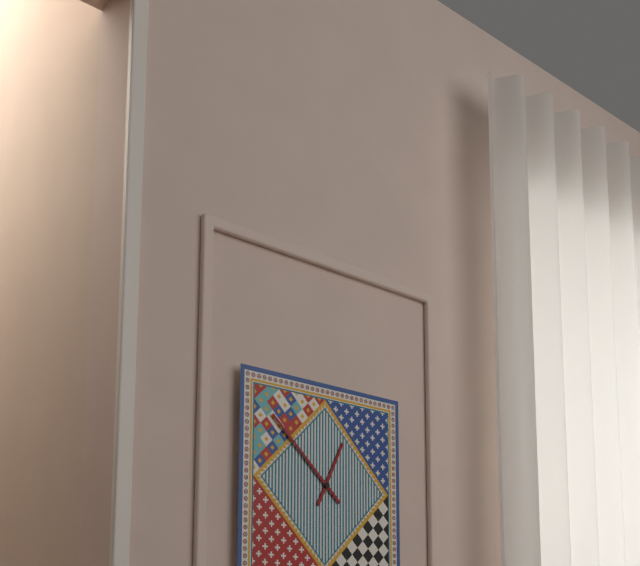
12:52
